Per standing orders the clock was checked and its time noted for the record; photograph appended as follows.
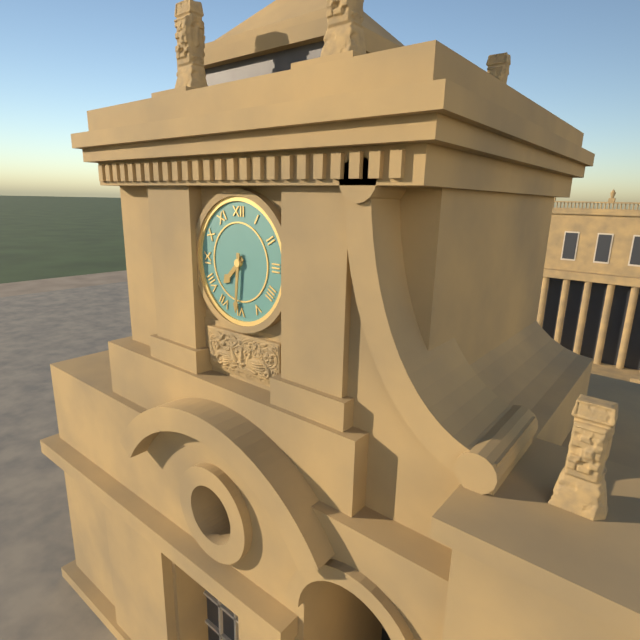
7:31
